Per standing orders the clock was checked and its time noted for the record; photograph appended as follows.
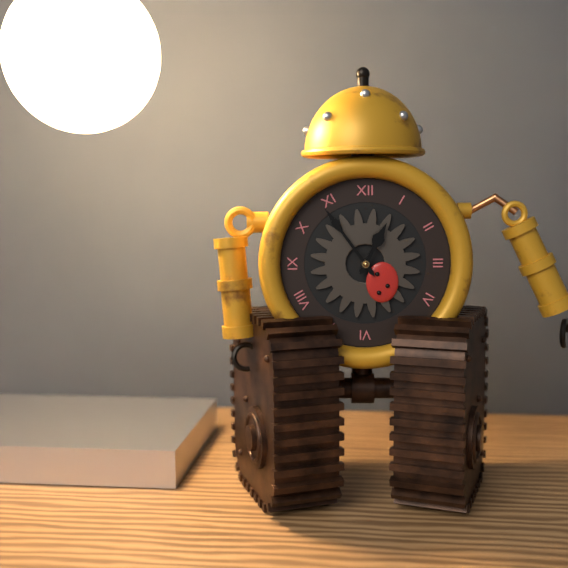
12:54
